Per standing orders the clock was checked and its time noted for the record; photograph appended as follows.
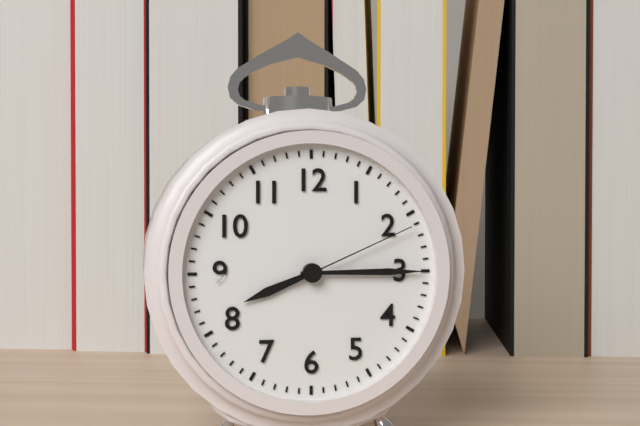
8:15:11
